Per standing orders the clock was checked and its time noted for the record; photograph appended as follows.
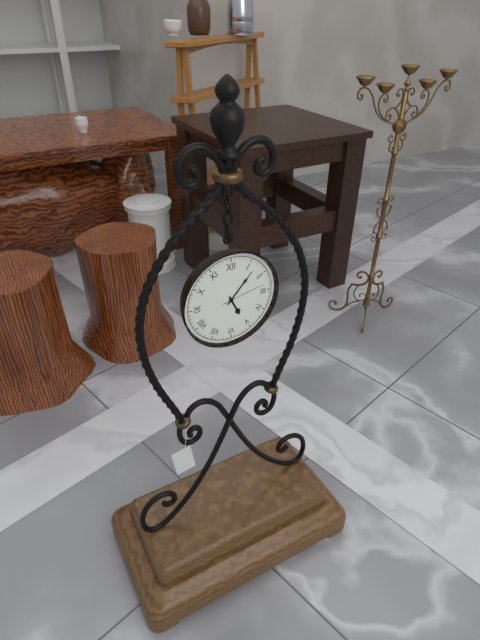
5:07
